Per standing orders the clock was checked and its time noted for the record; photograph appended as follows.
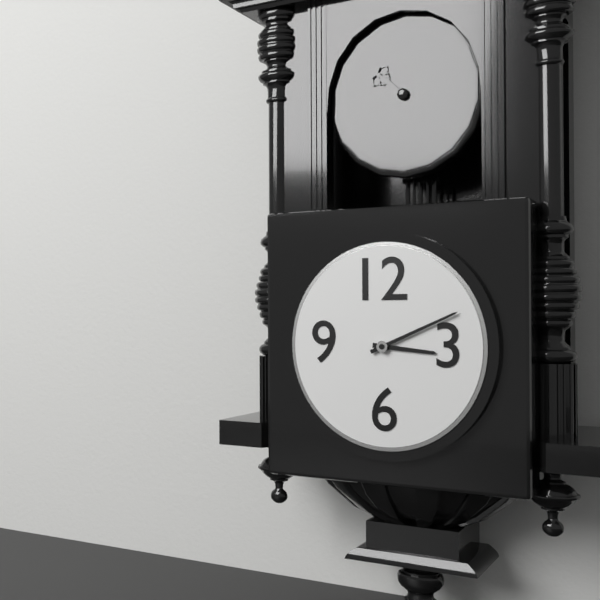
3:11
